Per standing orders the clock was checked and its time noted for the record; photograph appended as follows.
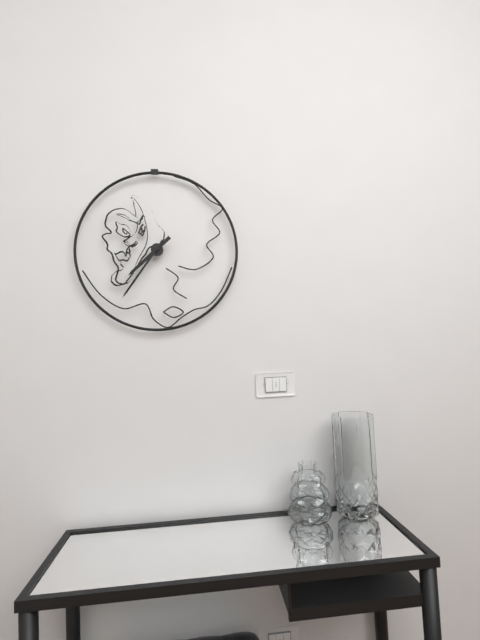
7:36
